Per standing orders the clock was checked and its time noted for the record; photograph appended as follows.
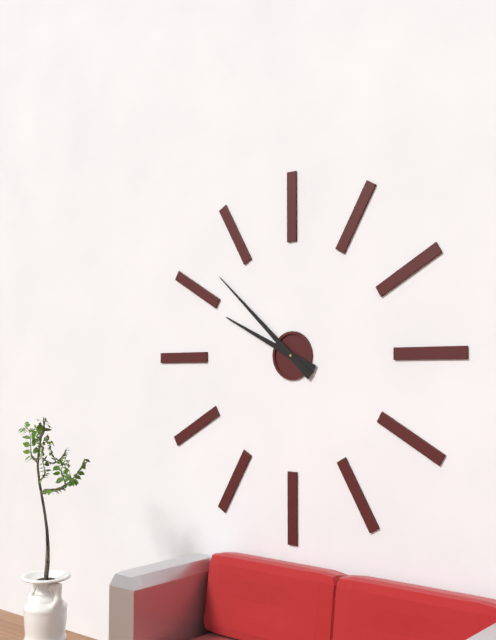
9:52
